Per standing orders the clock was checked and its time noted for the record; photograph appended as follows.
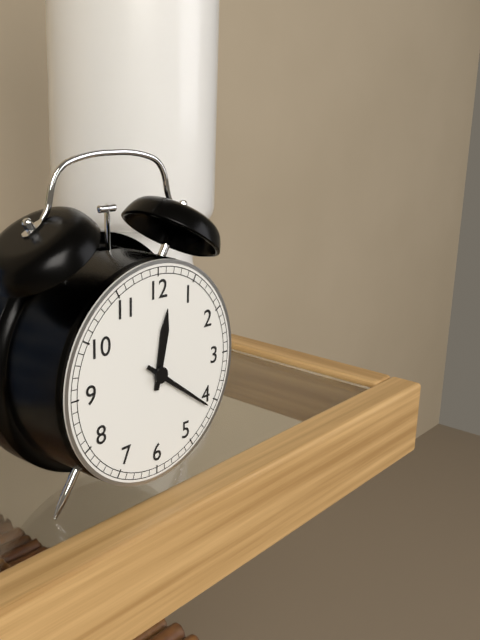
12:21
